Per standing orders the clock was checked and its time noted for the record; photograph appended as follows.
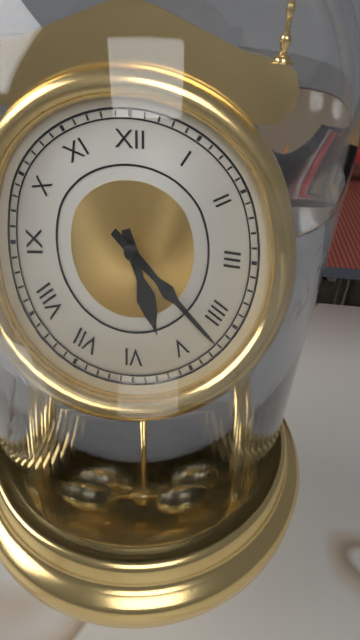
5:22
